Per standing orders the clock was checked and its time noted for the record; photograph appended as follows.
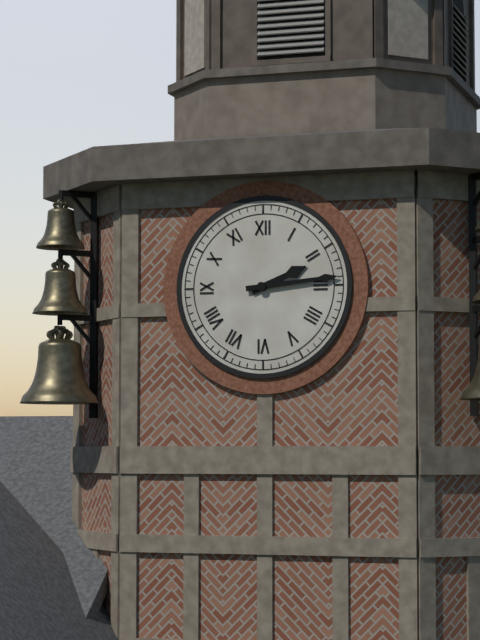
2:14
